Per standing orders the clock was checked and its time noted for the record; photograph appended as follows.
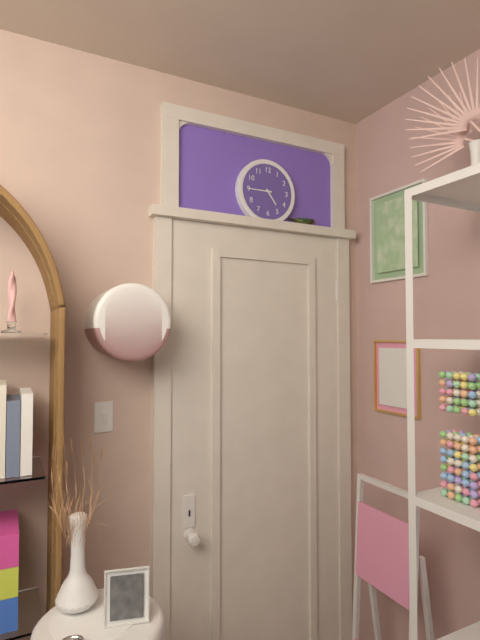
4:45
